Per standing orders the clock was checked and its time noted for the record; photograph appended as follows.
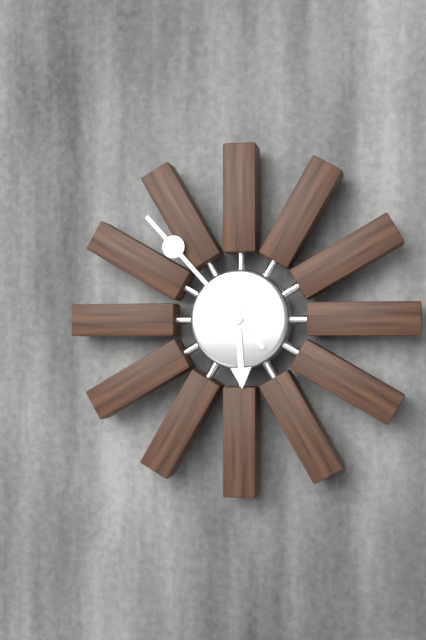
5:53
